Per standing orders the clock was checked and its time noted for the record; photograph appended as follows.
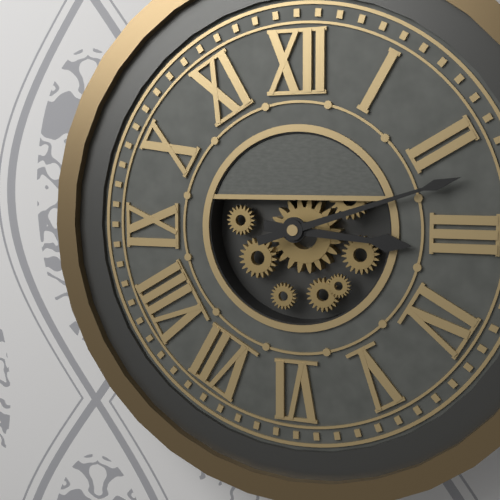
3:12
